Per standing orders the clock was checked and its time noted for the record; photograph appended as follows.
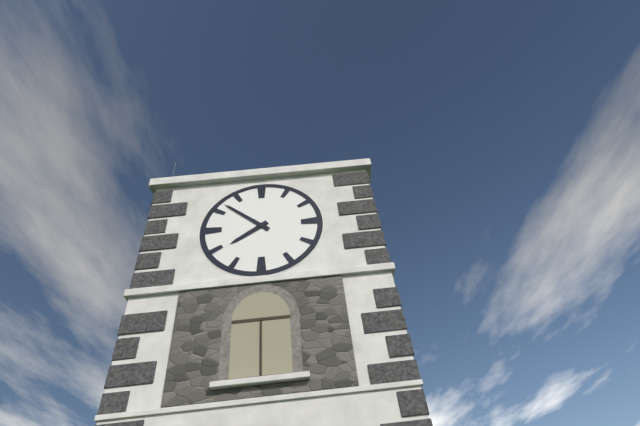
7:52
